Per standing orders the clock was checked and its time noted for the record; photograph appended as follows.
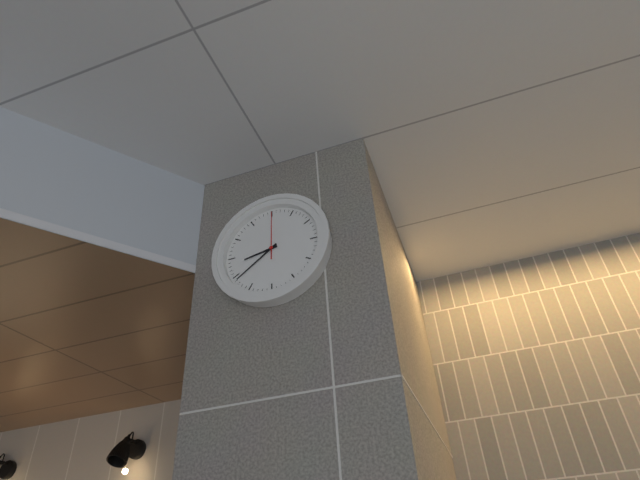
8:39
